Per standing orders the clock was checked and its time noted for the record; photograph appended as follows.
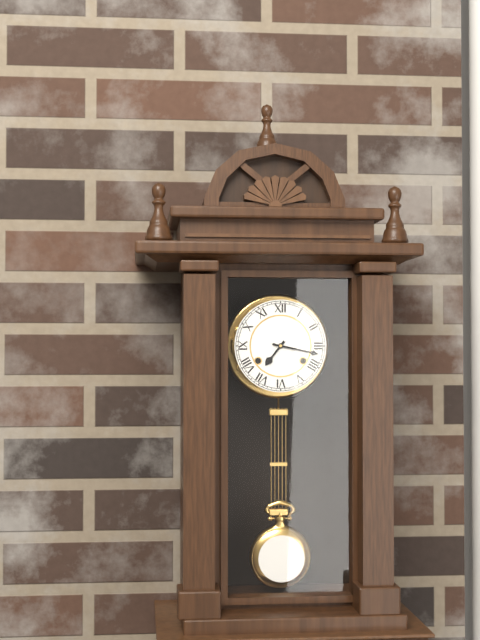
7:17
